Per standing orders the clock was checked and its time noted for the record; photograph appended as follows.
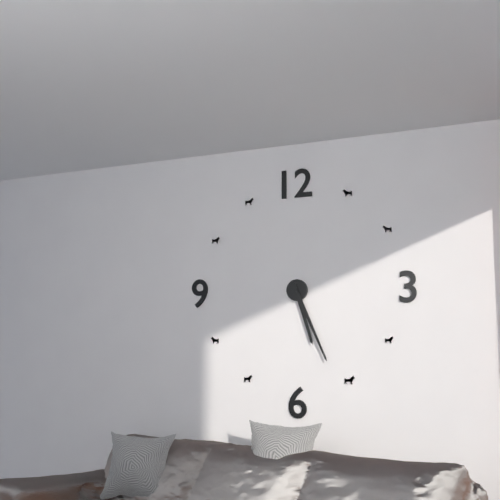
5:26
